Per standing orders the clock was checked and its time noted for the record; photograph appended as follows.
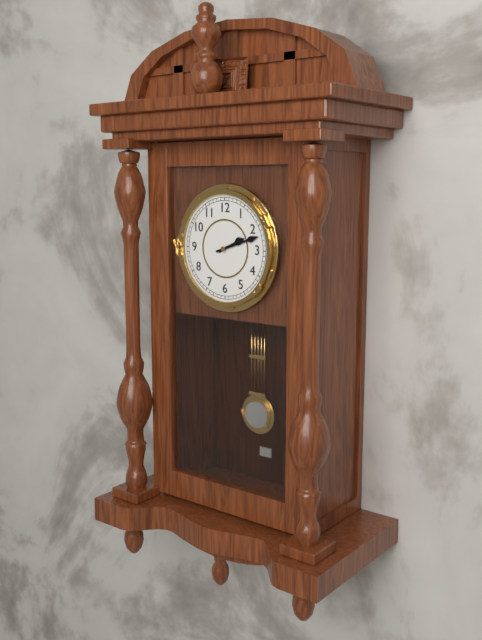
2:12
